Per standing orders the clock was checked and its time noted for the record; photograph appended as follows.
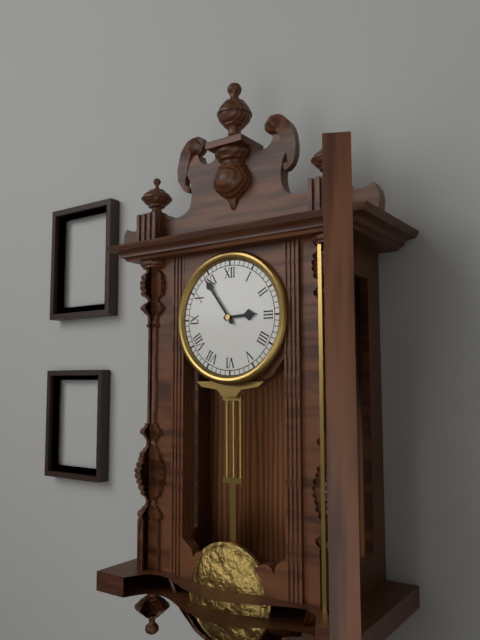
2:54
